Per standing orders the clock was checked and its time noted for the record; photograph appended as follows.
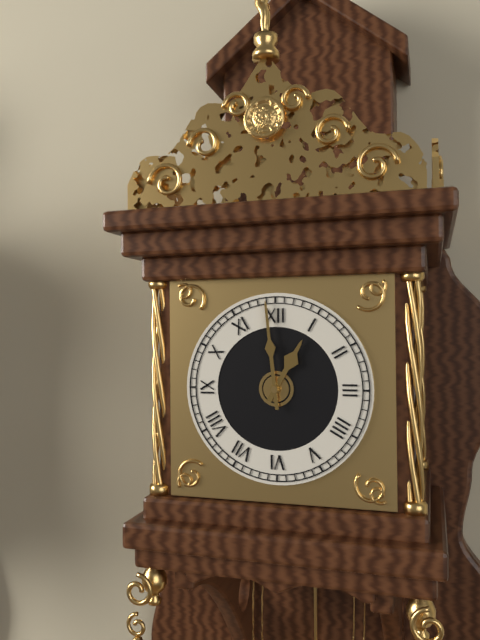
12:59
